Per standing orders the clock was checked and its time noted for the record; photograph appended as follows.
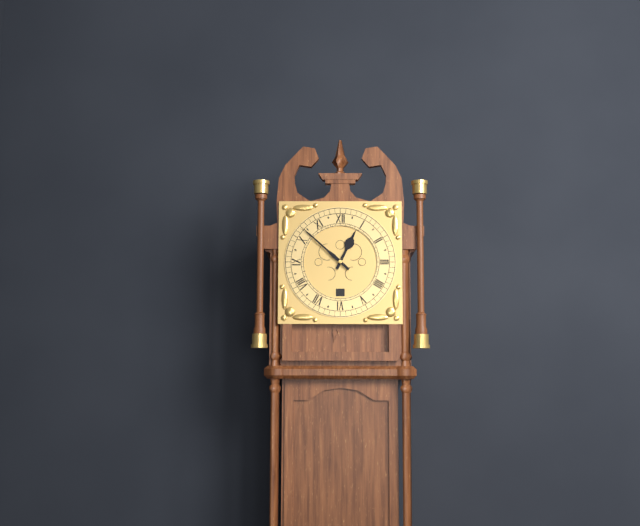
12:52
